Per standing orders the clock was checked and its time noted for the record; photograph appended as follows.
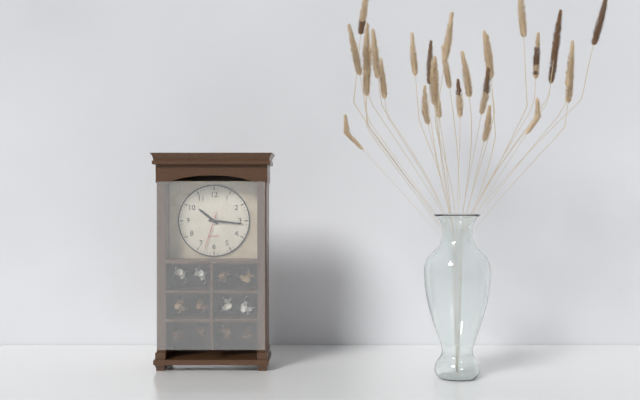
10:16
